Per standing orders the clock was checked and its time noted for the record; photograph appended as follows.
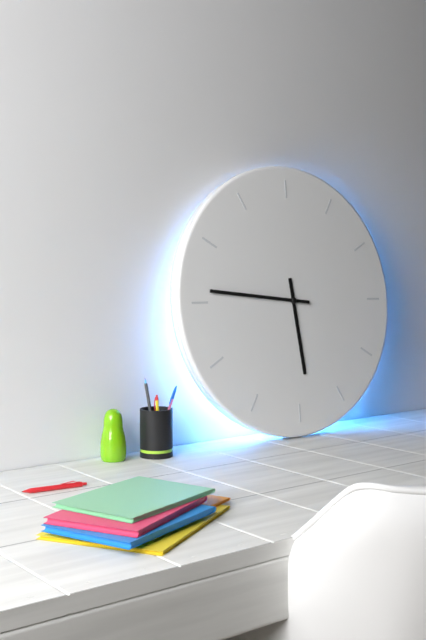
5:46
